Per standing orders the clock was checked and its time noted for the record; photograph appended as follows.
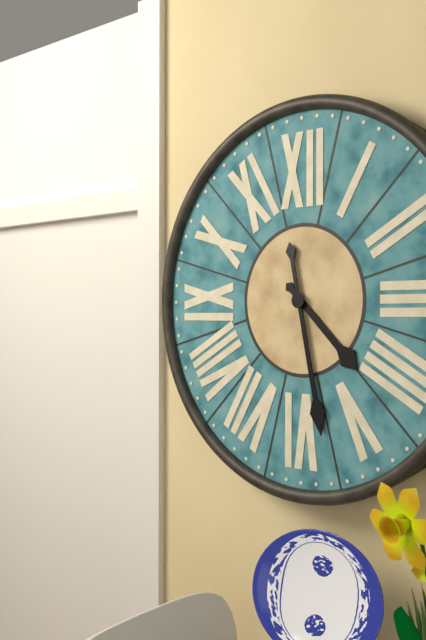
4:28
